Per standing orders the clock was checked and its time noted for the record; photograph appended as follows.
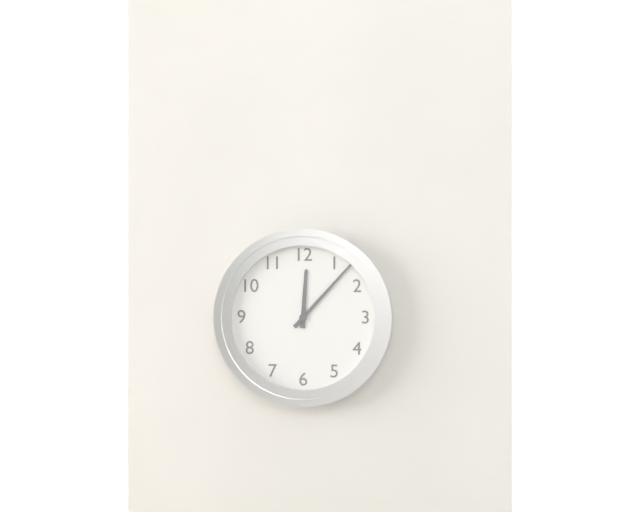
12:07
